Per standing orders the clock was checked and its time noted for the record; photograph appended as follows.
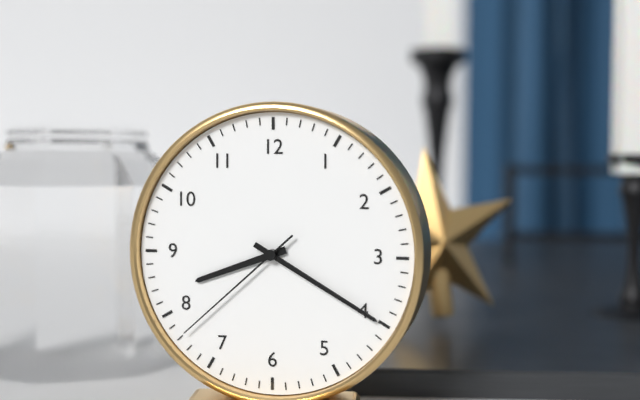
8:20:38
